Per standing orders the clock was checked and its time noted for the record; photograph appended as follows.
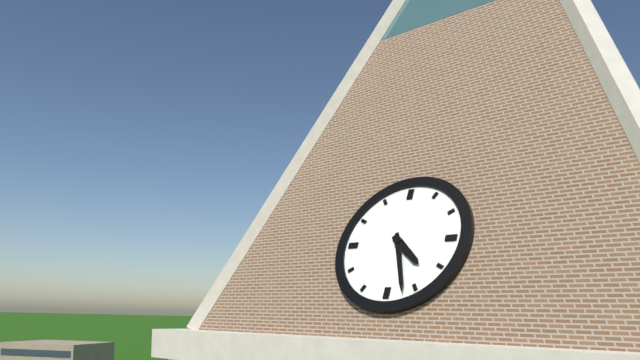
4:27
